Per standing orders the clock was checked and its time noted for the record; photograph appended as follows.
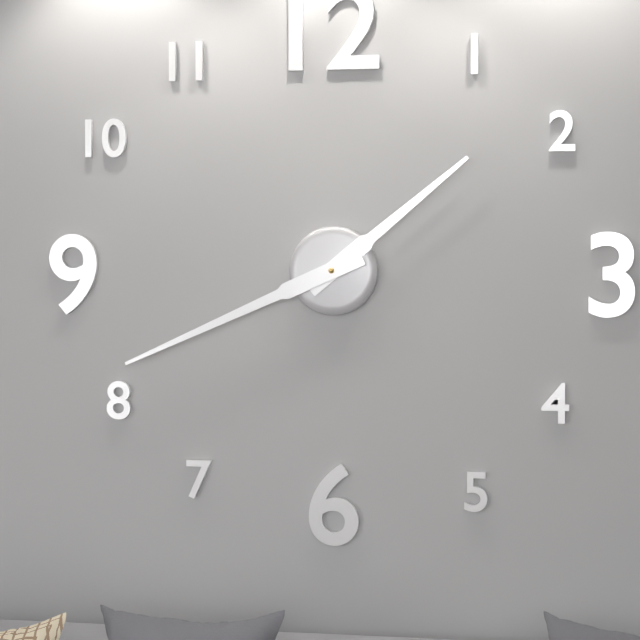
1:41
